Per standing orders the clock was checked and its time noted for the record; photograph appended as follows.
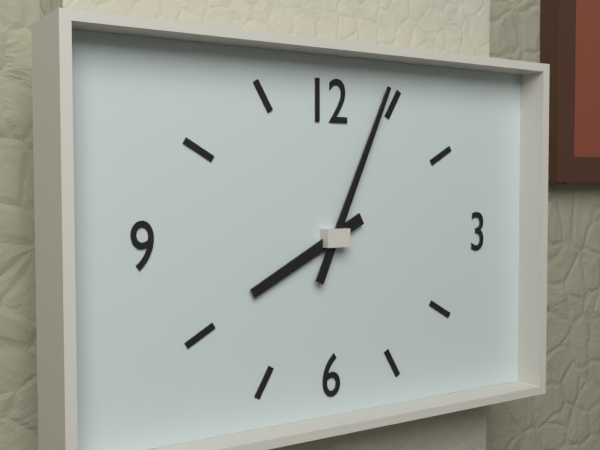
8:04
